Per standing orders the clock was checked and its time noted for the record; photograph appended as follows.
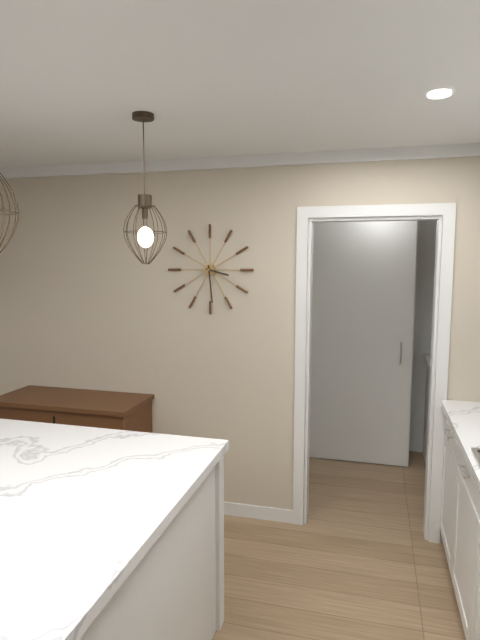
3:29
